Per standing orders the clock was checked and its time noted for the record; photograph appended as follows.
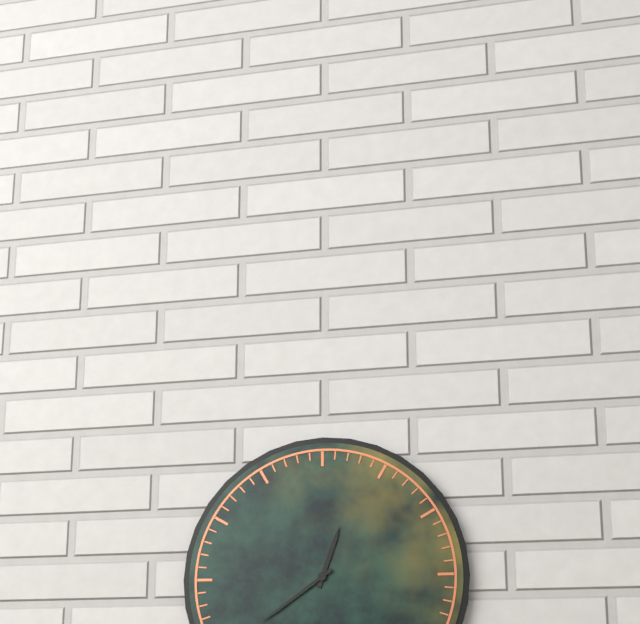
12:39
